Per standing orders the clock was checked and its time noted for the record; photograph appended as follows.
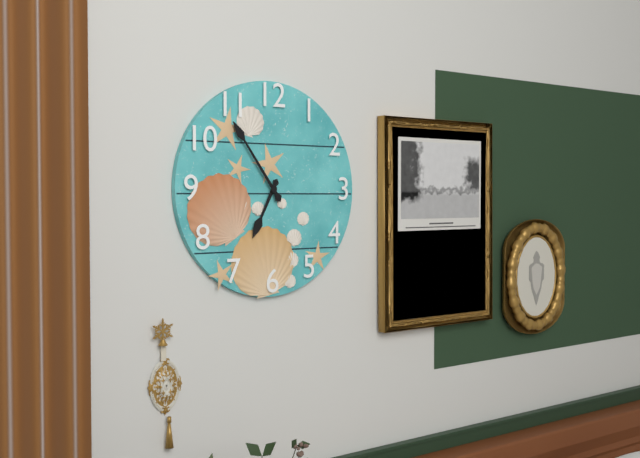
6:54
